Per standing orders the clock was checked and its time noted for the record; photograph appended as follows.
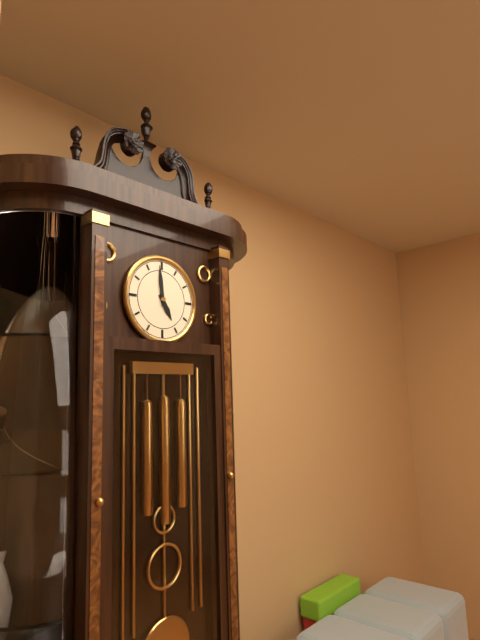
4:59
